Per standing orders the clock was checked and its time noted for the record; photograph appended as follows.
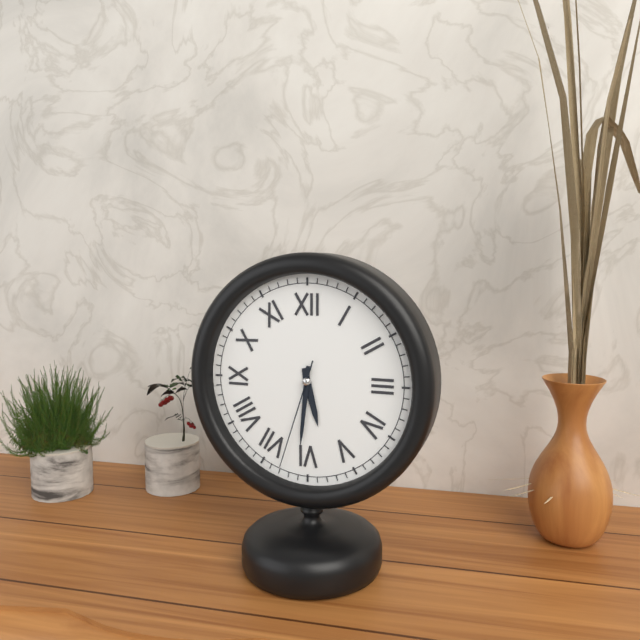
5:31:33
